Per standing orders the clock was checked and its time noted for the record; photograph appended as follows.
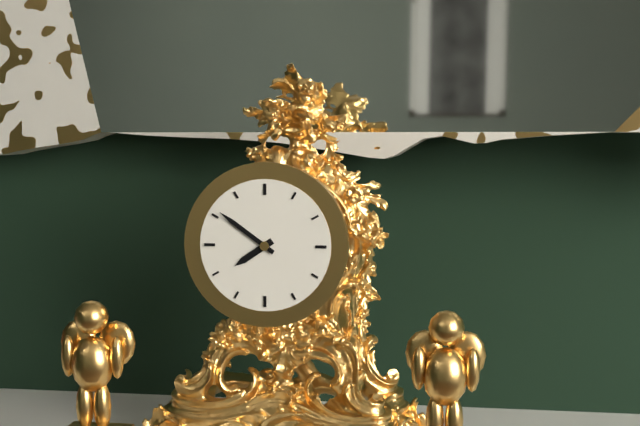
7:51
